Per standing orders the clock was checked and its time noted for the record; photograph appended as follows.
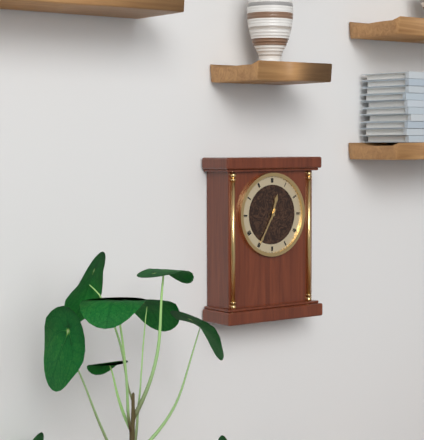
12:35
